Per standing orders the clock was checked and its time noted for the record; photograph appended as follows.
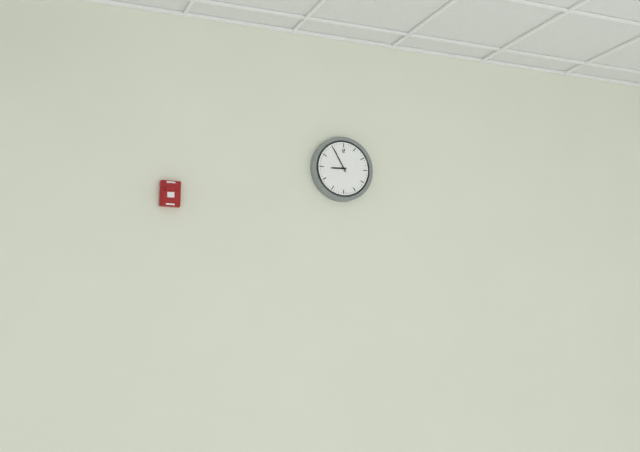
8:55
